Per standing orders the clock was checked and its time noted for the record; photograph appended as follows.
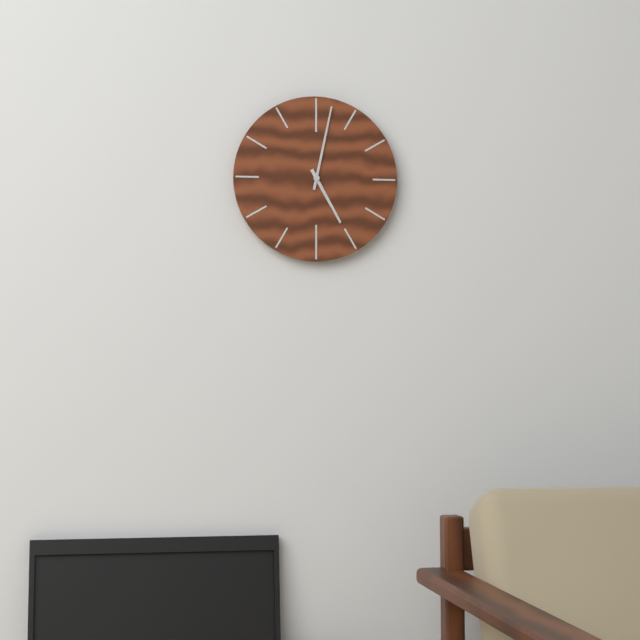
5:02
